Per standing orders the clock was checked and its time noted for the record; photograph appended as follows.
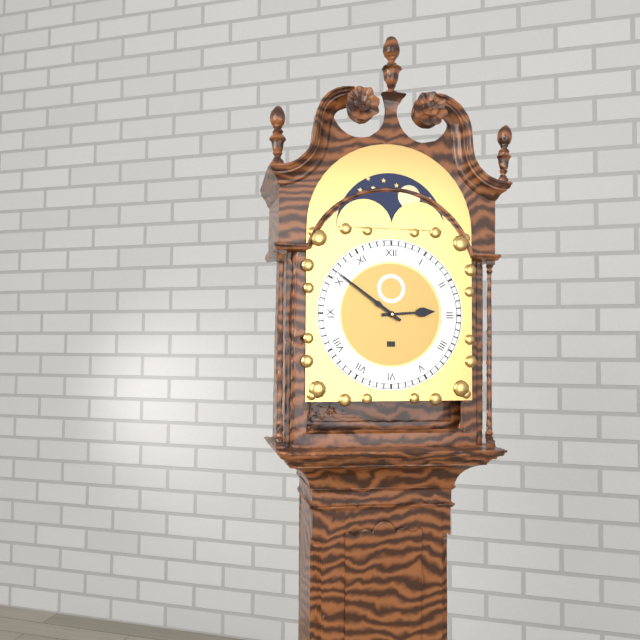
2:51
